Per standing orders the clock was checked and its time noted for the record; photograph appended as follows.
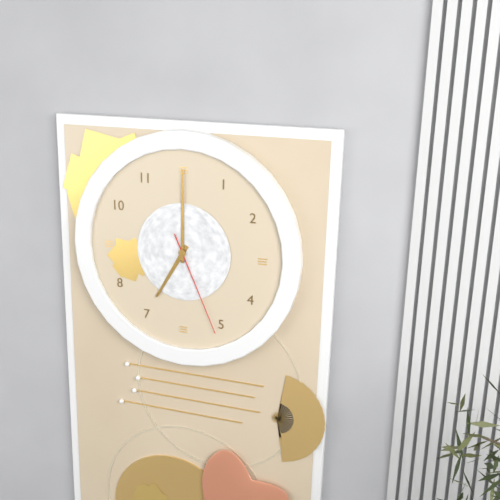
7:00:26
